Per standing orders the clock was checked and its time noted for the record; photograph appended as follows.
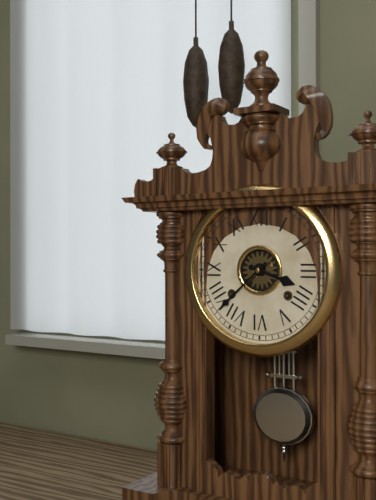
3:38
